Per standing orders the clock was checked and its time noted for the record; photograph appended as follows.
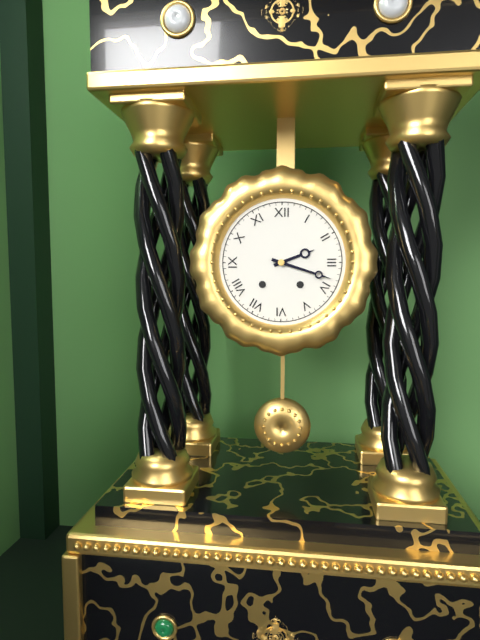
2:18
